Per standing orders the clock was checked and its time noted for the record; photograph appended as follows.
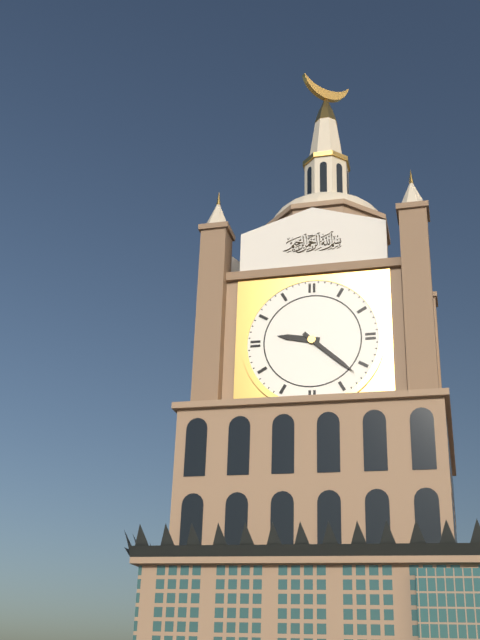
9:22
